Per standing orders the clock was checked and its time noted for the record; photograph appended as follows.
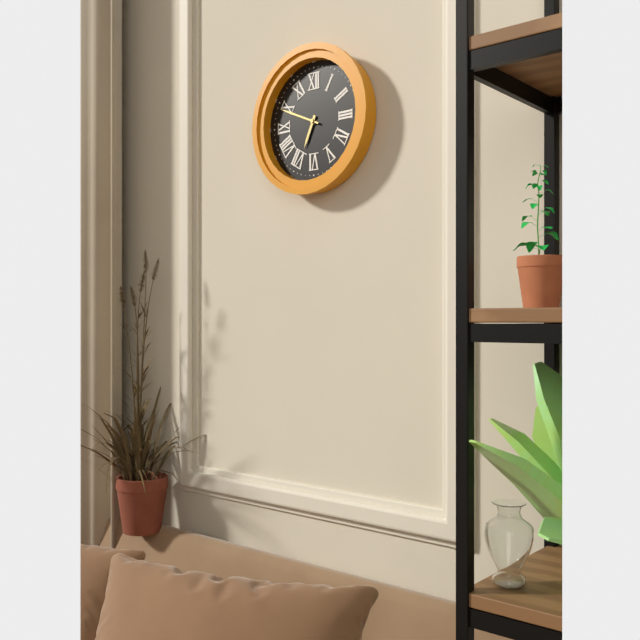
6:49
